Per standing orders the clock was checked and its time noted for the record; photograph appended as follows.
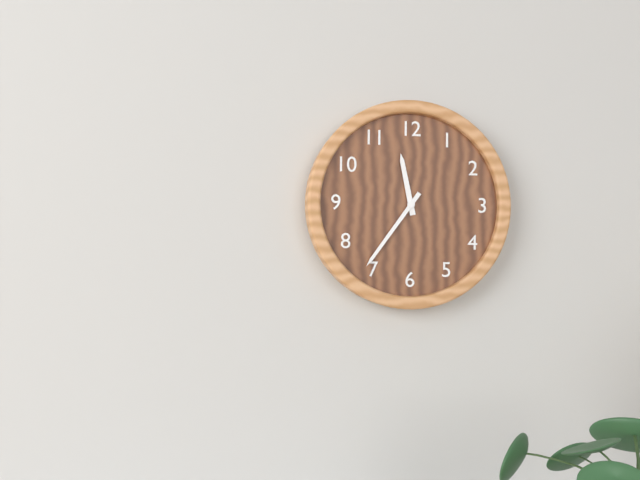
11:36
